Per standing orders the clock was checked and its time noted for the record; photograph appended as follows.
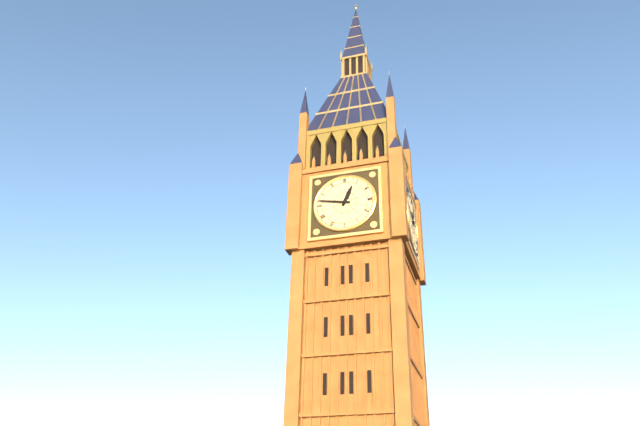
12:47
